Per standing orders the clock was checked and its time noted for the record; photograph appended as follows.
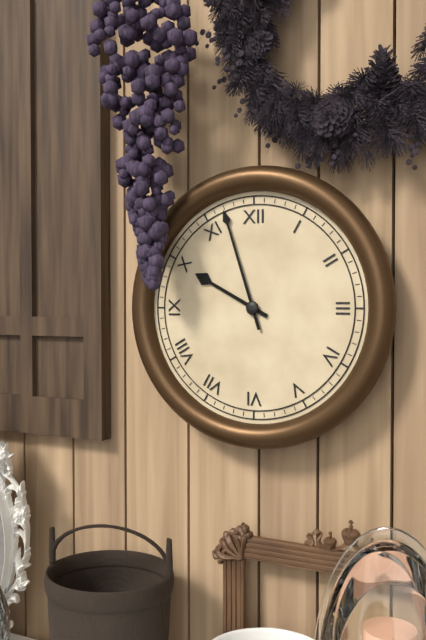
9:57
